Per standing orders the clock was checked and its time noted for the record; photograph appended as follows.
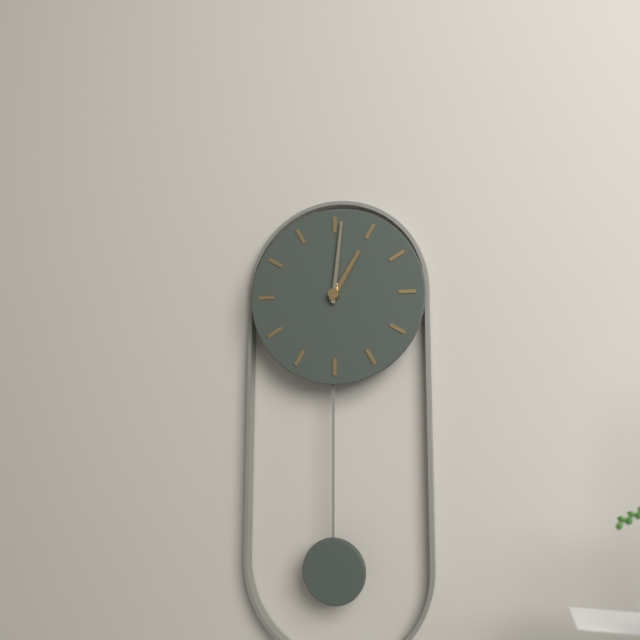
1:01
